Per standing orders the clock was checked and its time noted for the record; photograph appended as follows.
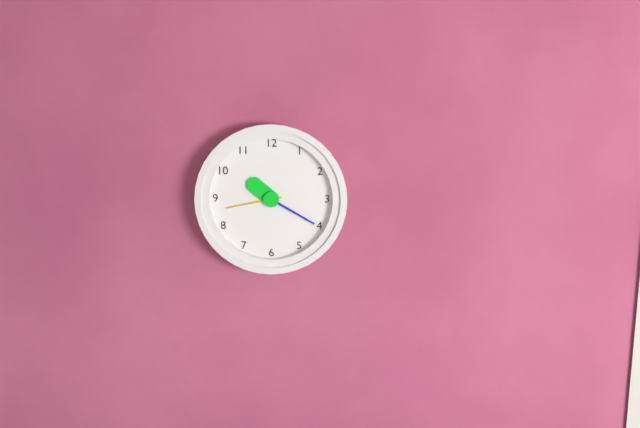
10:20:43
